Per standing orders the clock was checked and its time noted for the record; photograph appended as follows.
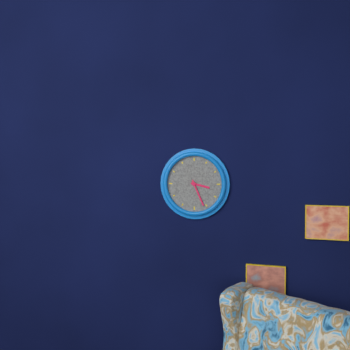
3:26
